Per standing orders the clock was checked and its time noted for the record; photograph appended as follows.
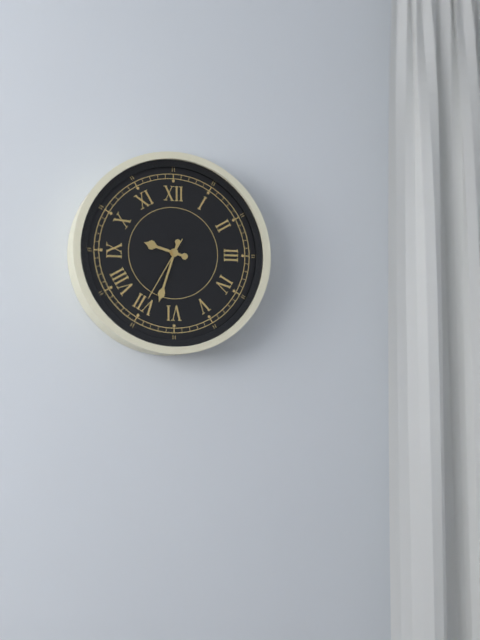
9:33:35
